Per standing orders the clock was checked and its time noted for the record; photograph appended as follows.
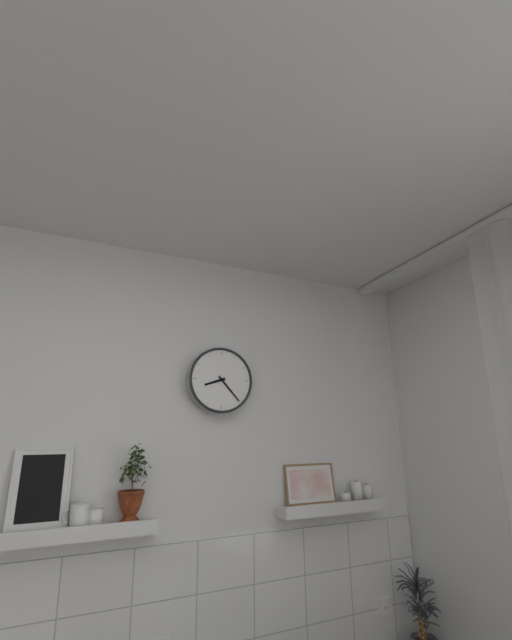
8:23
